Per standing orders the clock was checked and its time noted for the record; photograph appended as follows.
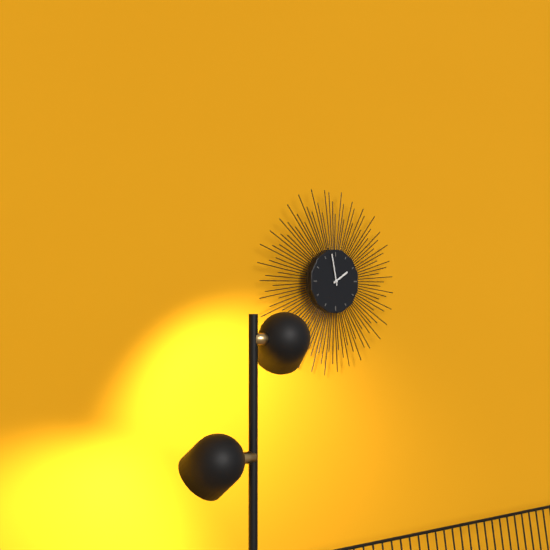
1:58
